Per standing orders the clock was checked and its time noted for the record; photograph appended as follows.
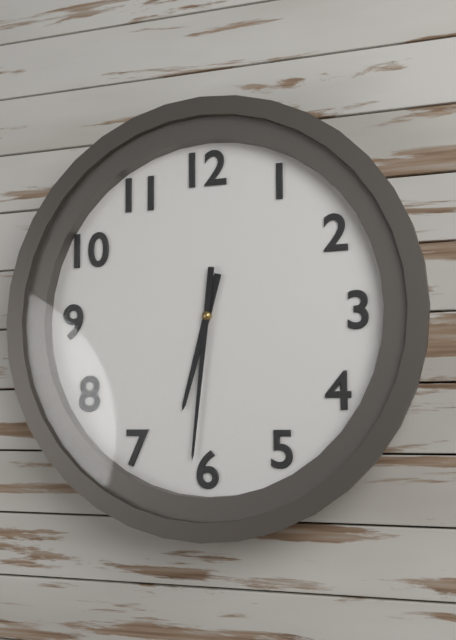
6:31
